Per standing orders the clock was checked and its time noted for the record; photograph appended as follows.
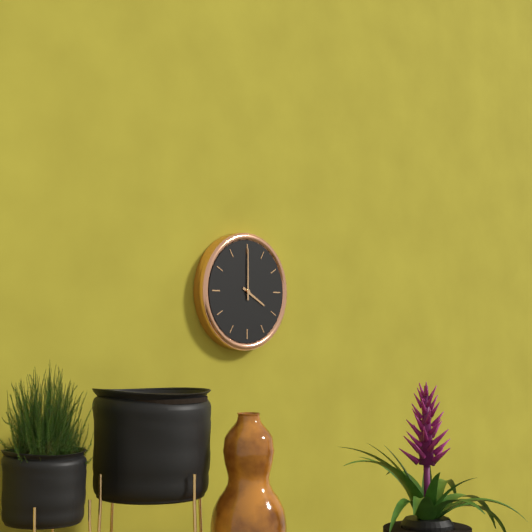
4:00
